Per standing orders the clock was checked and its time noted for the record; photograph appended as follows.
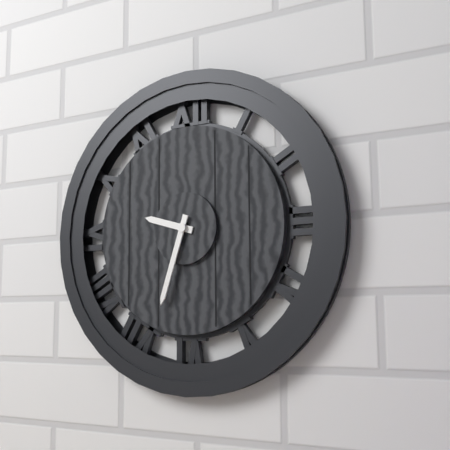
9:33
